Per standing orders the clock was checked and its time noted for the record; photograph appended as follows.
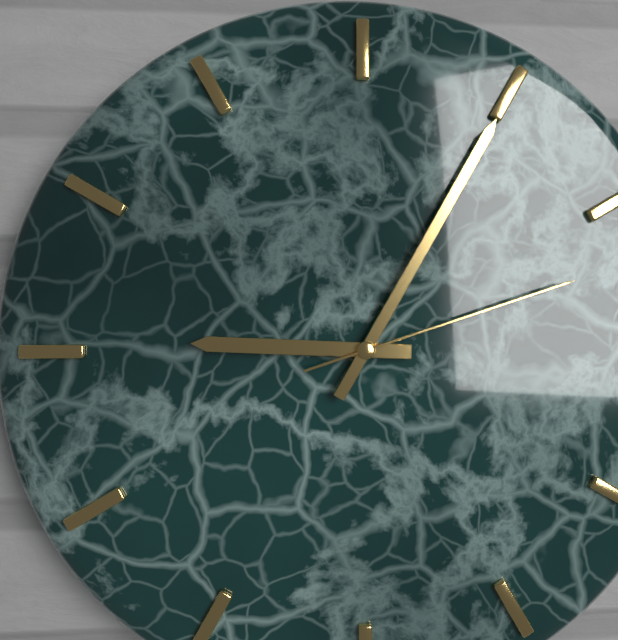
9:05:12
